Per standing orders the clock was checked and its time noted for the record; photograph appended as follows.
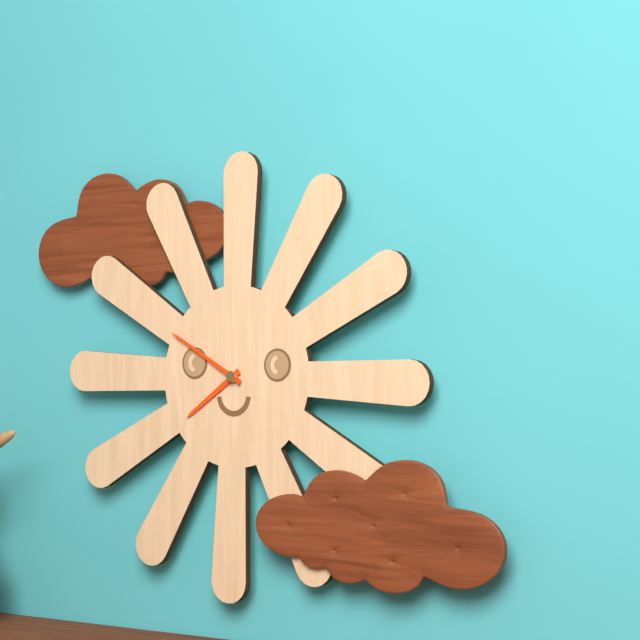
7:50
